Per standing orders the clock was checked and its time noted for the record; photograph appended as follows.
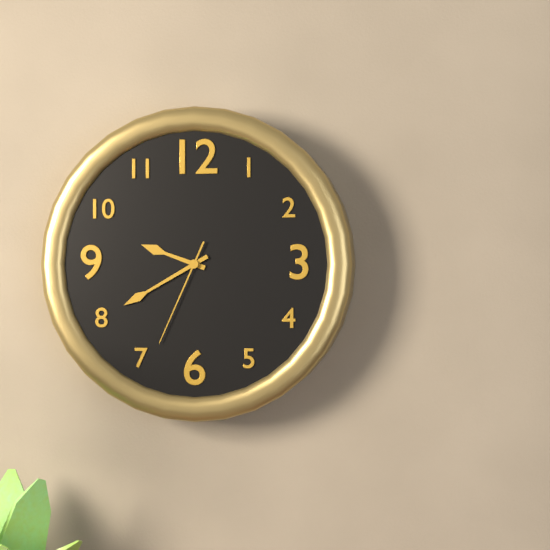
9:40:34
